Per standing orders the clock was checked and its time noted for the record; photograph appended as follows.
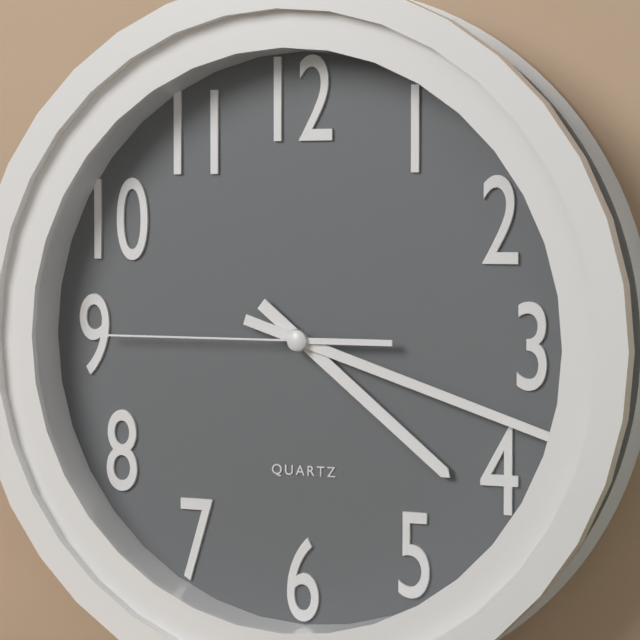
4:18:45
